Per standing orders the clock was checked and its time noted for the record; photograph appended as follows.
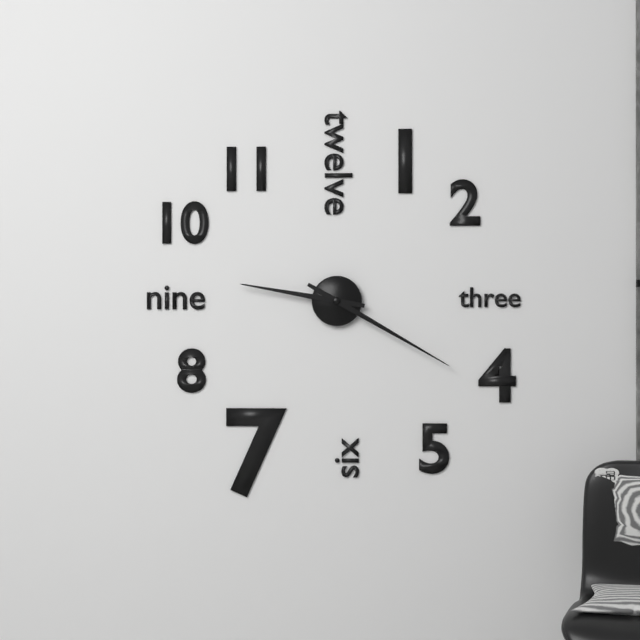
9:20
